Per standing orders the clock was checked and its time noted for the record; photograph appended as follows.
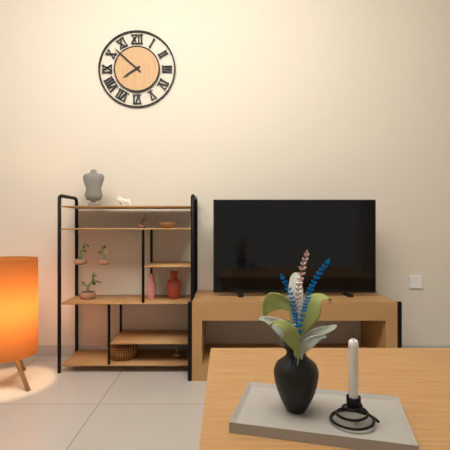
7:52
